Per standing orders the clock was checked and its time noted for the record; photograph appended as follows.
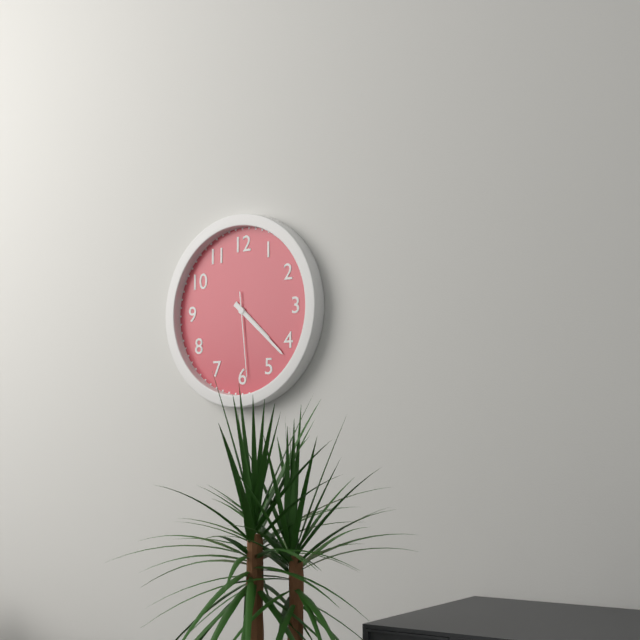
4:22:29
